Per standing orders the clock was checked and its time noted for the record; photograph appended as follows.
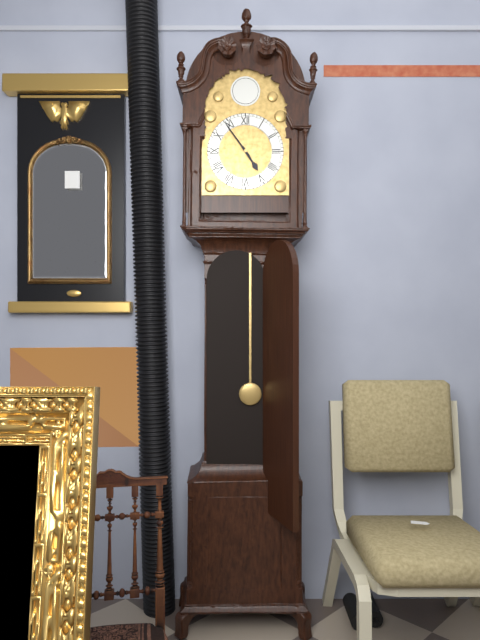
4:54
